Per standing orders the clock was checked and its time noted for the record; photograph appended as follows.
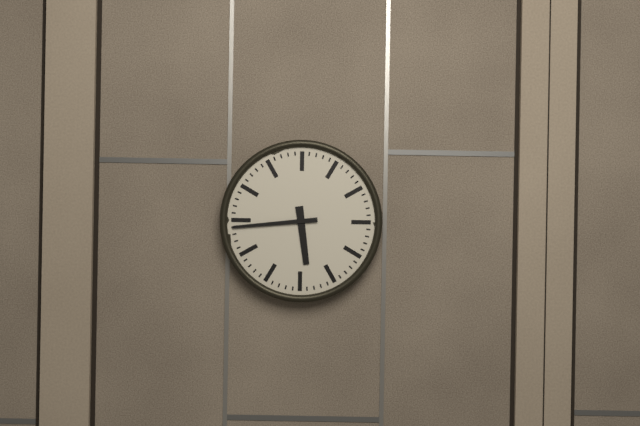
5:44
